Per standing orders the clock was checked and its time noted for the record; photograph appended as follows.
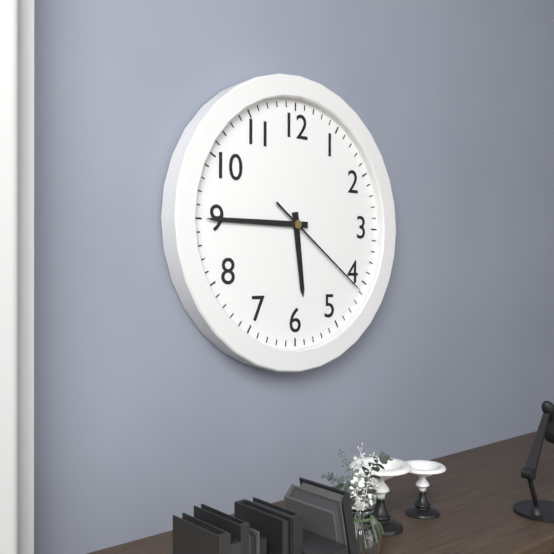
5:45:21
